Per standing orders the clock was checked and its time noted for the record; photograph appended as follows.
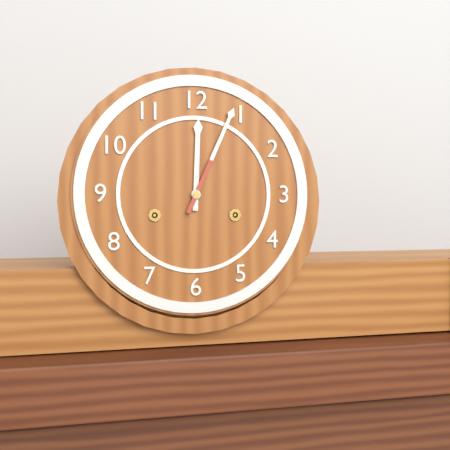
12:04
